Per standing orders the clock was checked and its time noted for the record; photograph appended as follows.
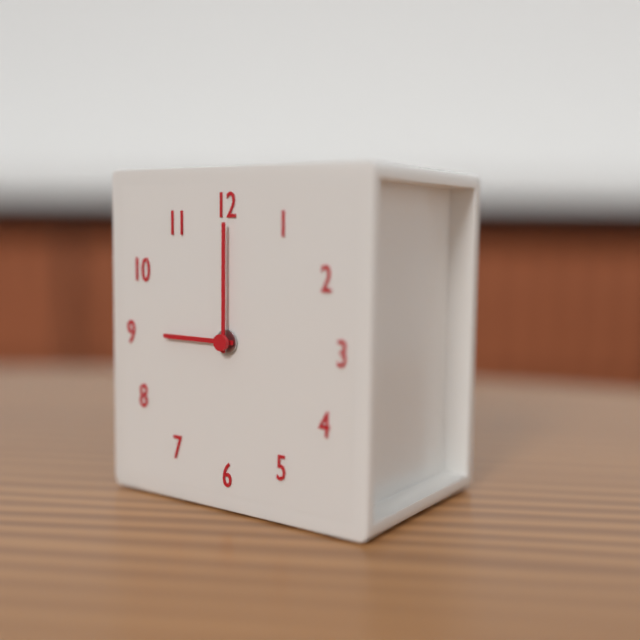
9:00
